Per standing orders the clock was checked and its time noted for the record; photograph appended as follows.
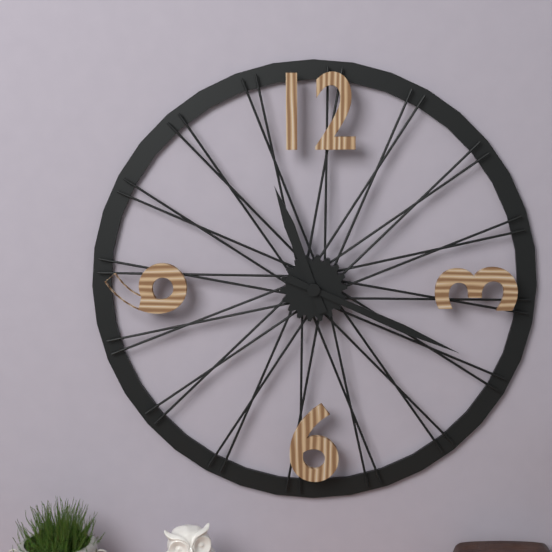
11:19
